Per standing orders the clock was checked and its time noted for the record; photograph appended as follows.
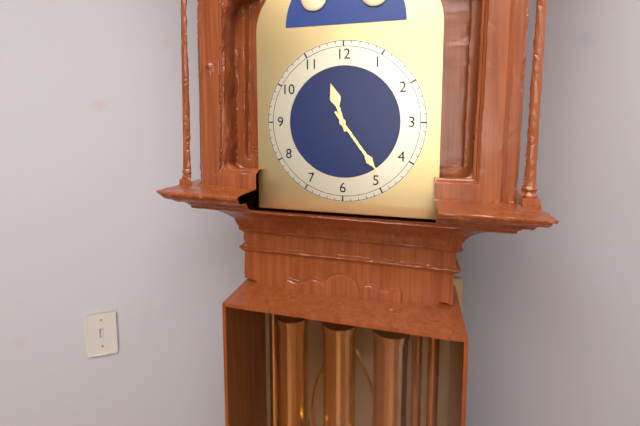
11:24
